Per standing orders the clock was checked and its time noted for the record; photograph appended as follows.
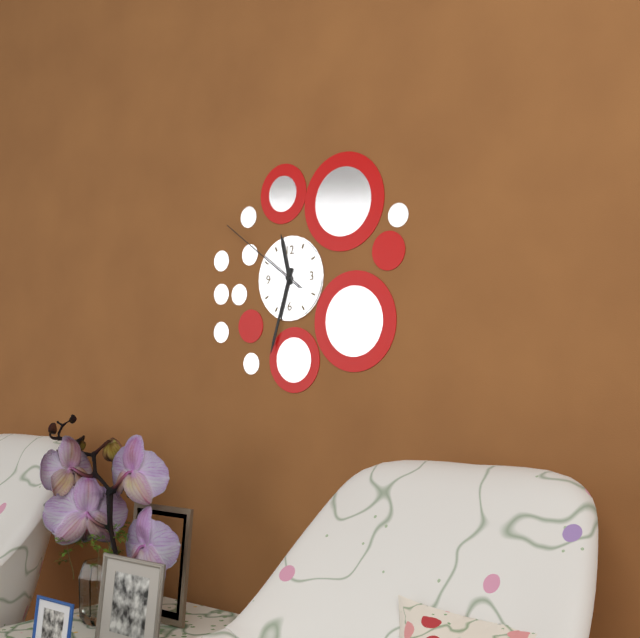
11:33:51
